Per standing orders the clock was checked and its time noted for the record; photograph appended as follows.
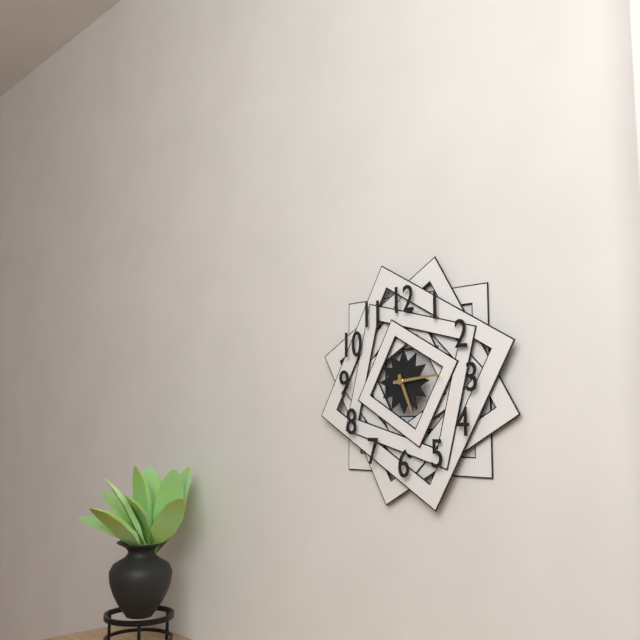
5:14
